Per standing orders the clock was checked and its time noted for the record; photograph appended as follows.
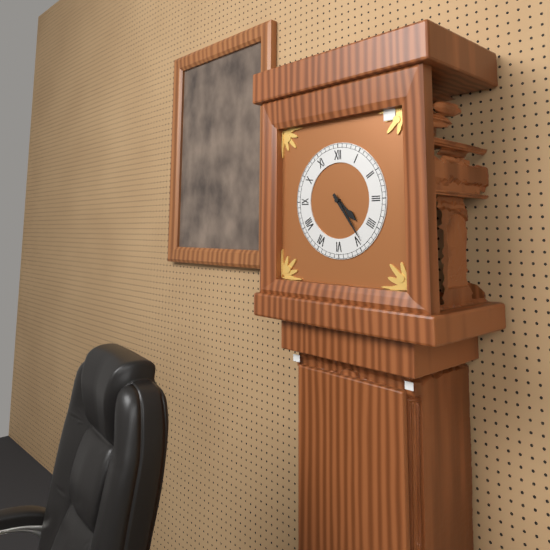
4:24
